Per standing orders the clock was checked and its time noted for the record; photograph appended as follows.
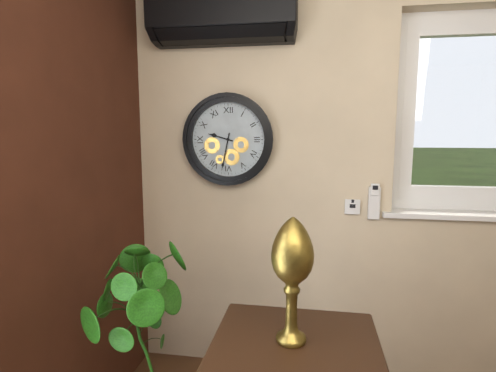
9:32
